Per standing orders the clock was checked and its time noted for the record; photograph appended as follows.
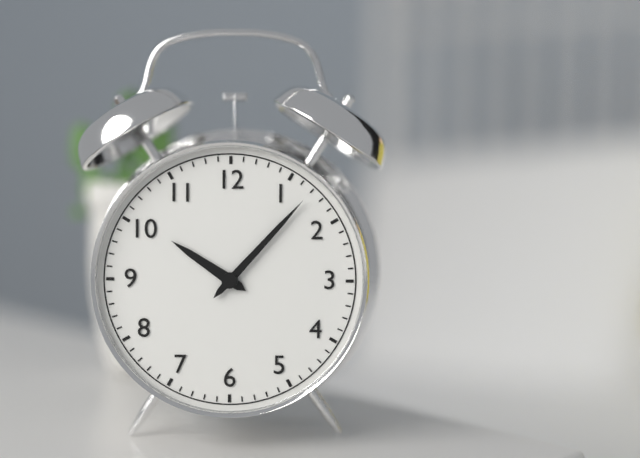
10:07
